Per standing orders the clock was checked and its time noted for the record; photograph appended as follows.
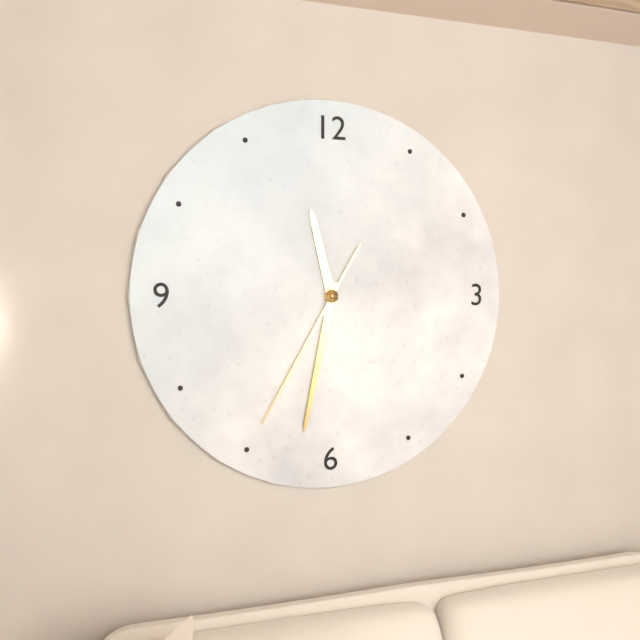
11:32:35
